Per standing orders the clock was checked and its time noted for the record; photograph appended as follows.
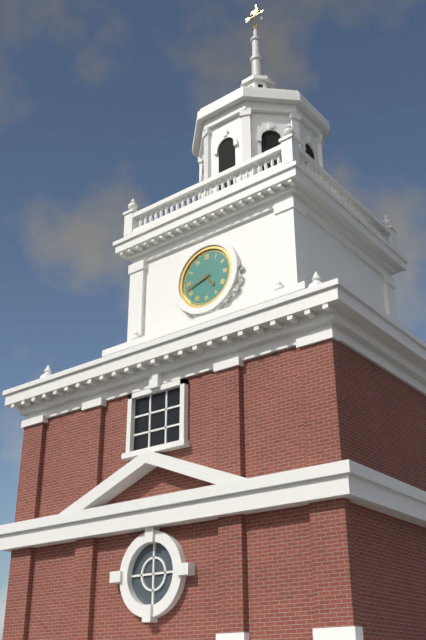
4:42
